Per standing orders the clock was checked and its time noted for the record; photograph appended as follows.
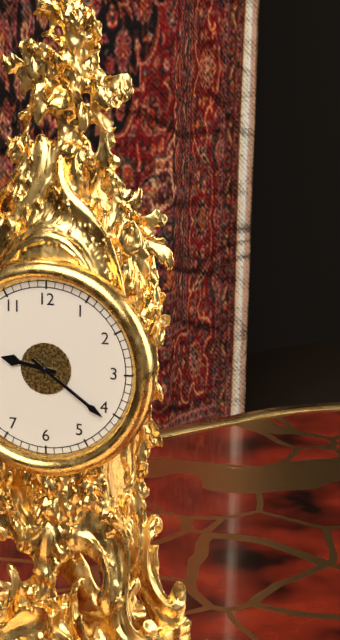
9:21
